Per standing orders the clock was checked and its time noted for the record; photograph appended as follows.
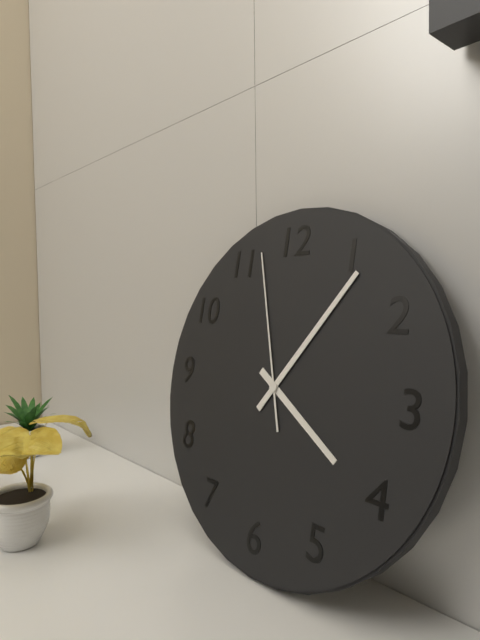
4:06:57
